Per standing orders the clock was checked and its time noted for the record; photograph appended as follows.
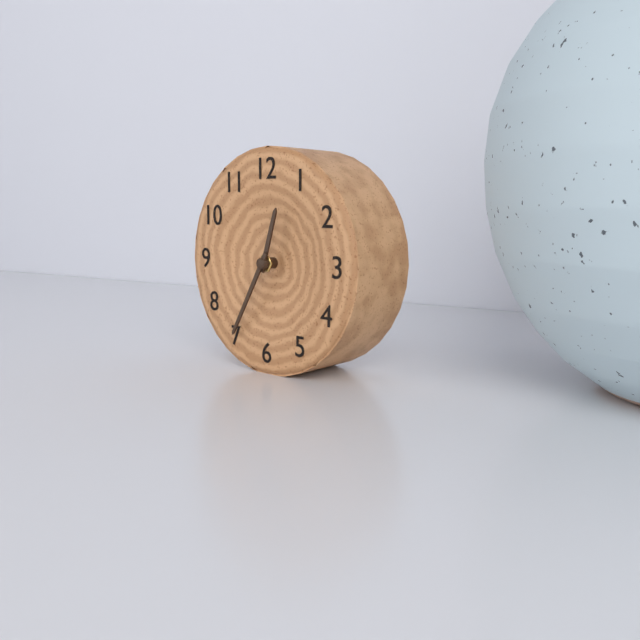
12:35
